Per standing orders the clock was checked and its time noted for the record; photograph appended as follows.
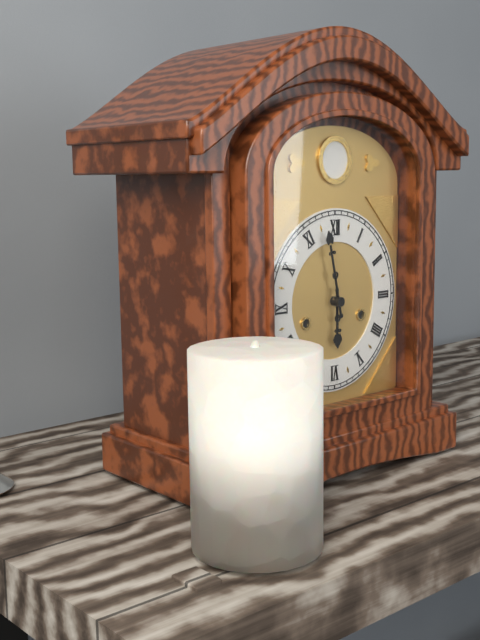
5:58
